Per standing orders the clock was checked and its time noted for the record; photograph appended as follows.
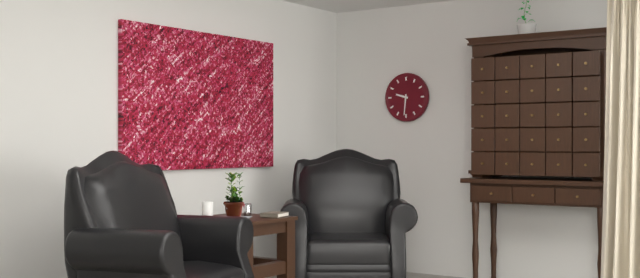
9:31
